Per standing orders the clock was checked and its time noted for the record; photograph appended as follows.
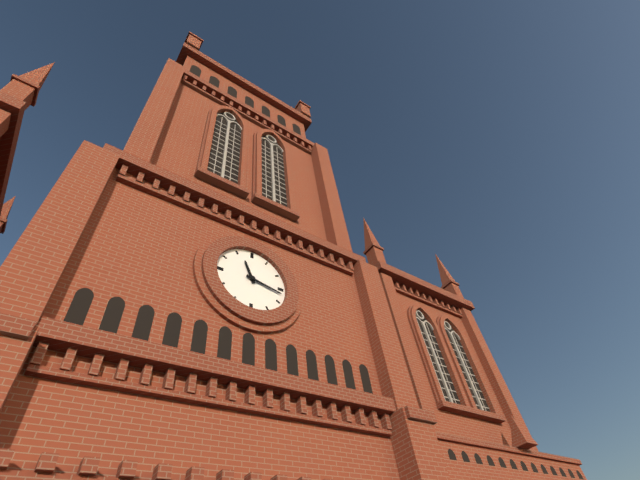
11:17
